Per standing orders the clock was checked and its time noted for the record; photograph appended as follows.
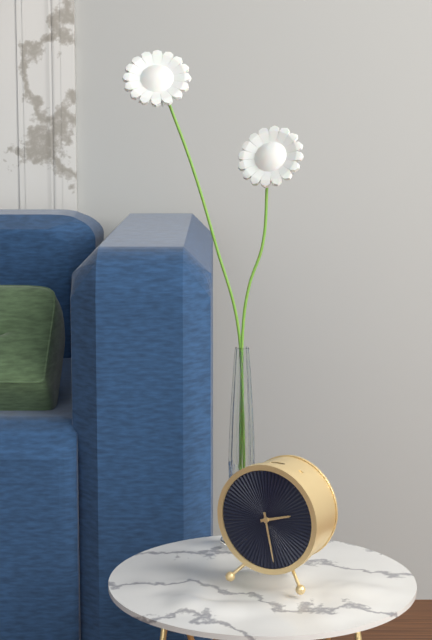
2:28
